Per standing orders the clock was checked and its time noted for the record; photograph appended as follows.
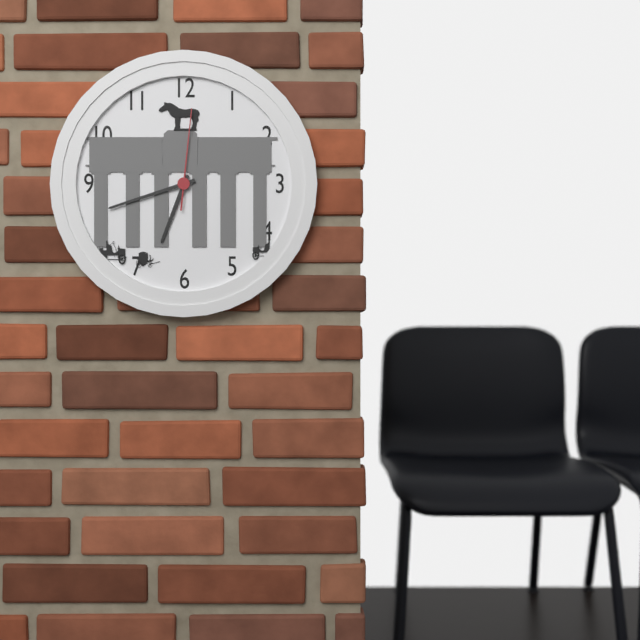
6:42:01
